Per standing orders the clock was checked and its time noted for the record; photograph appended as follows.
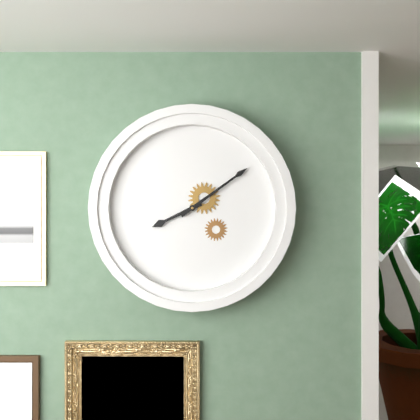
8:09
